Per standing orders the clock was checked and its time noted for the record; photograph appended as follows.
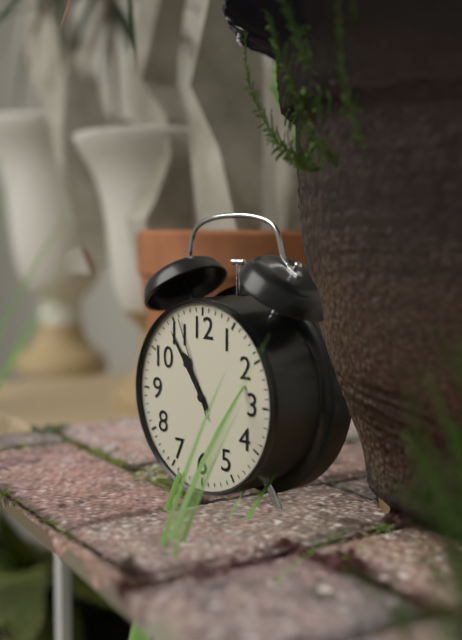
10:54:56
